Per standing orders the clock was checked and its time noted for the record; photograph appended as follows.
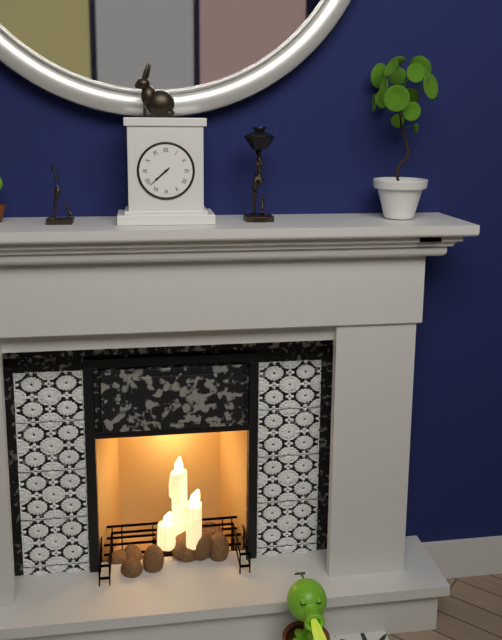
7:38
